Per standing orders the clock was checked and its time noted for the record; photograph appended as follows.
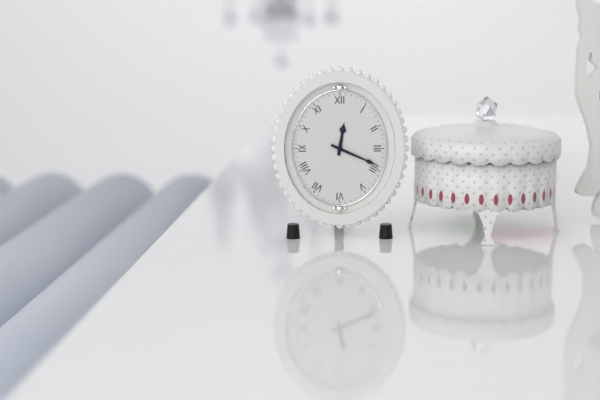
12:19
